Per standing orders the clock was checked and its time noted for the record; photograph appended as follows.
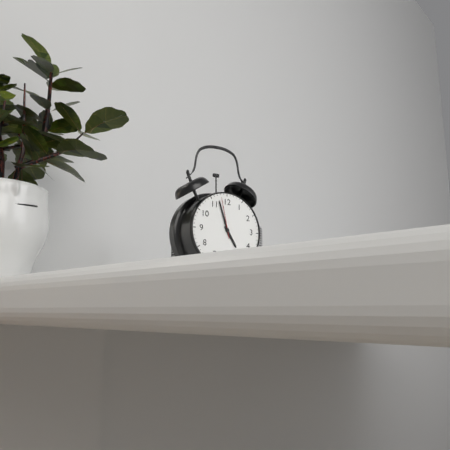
4:57
